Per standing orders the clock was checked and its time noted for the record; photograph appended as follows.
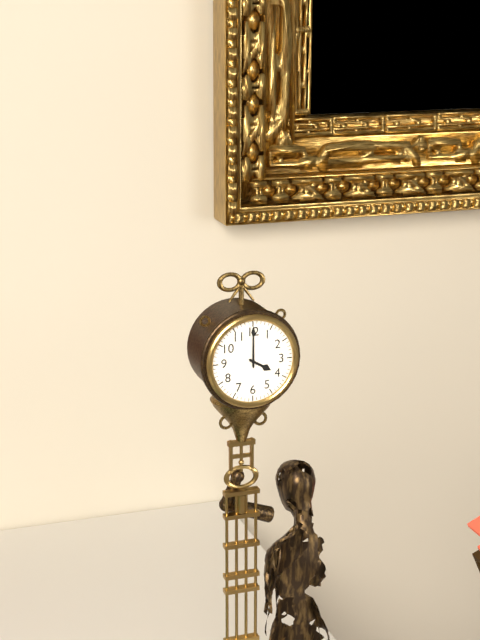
4:00
